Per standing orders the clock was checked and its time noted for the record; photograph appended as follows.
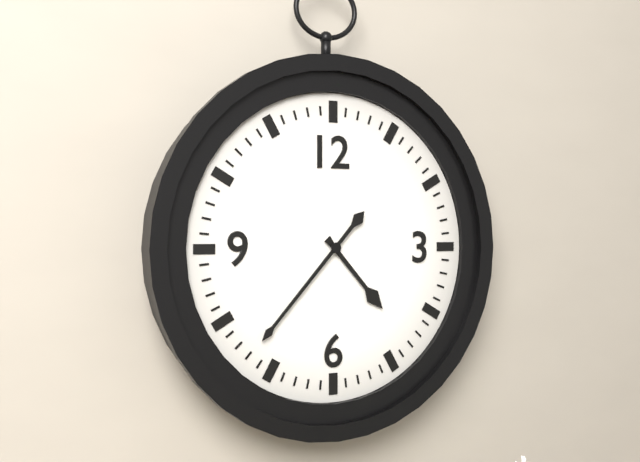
4:37
